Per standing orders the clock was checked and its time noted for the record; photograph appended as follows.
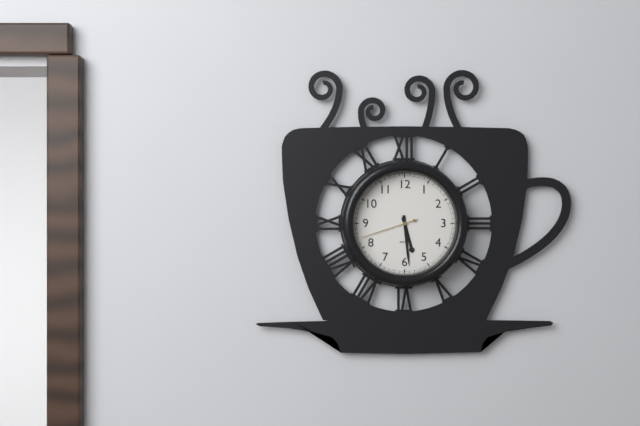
5:29:42
